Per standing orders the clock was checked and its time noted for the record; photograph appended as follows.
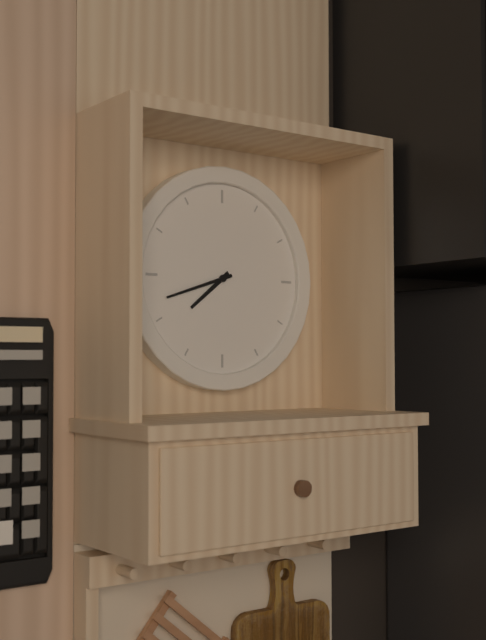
7:42
